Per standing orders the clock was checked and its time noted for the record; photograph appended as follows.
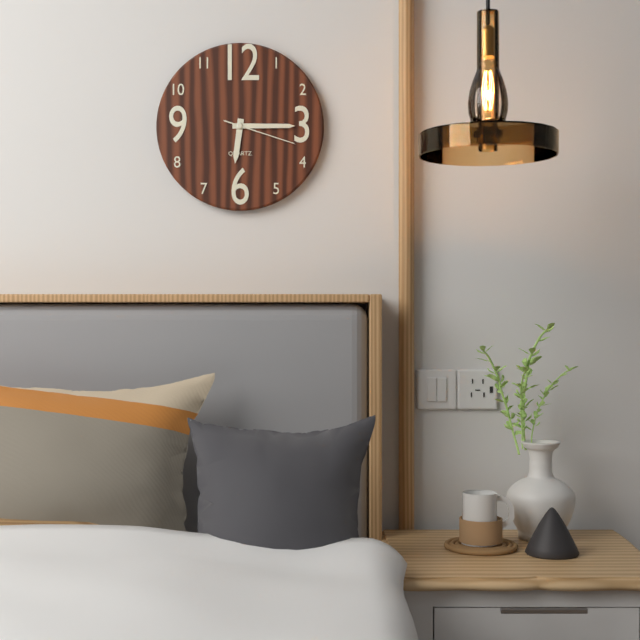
6:15:18
